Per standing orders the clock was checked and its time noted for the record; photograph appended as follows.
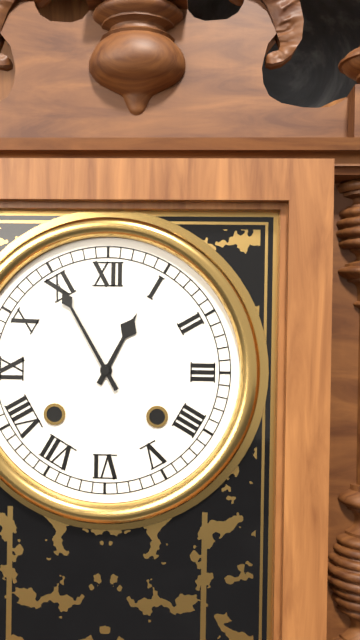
12:55
